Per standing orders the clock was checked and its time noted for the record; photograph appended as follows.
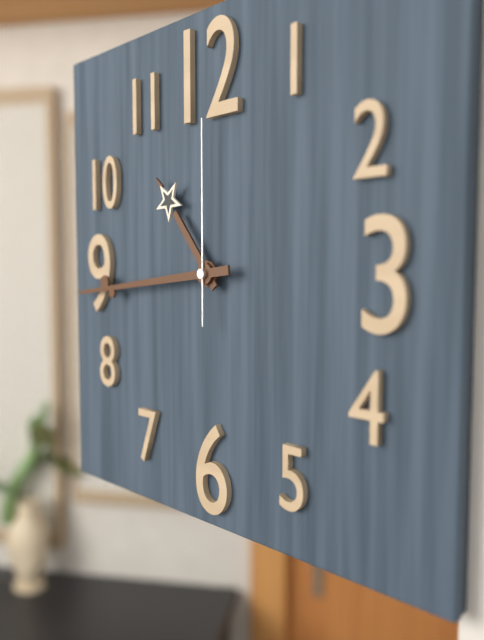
10:44:00
